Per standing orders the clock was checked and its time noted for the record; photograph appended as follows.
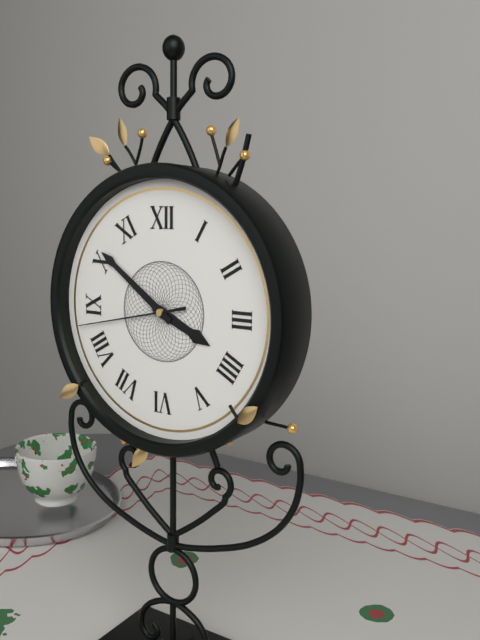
3:51:43
